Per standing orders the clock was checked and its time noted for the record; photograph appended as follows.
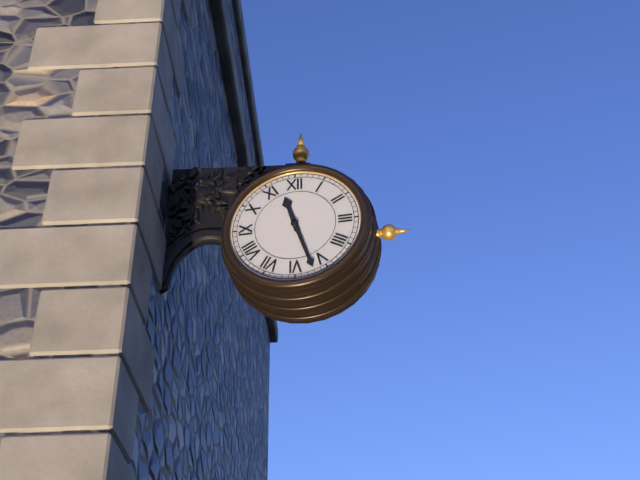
11:27
